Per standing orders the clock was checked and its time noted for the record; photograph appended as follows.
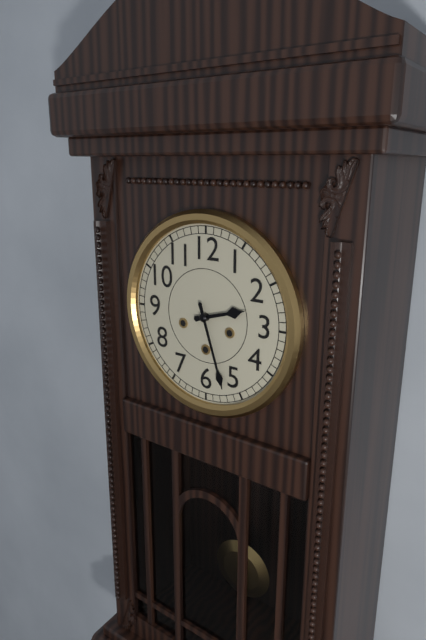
2:27
